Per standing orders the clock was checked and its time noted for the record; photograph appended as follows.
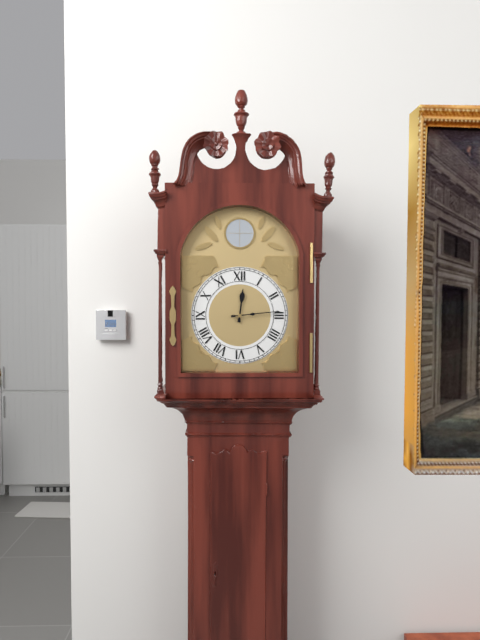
12:14
